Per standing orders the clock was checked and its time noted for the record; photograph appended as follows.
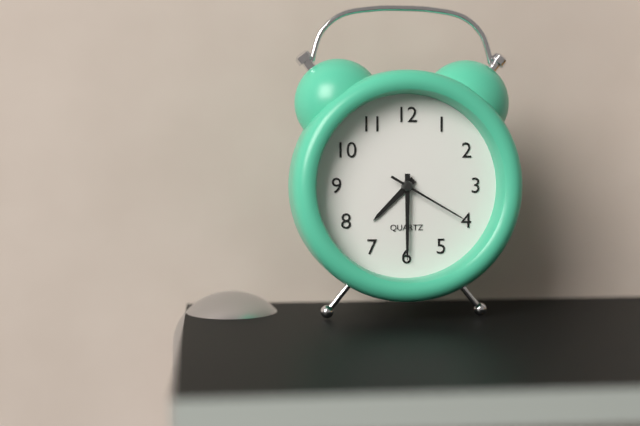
7:30:20
